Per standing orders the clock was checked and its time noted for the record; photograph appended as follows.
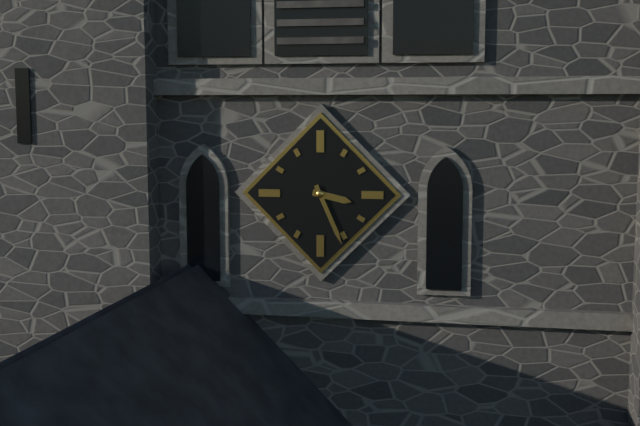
3:26
